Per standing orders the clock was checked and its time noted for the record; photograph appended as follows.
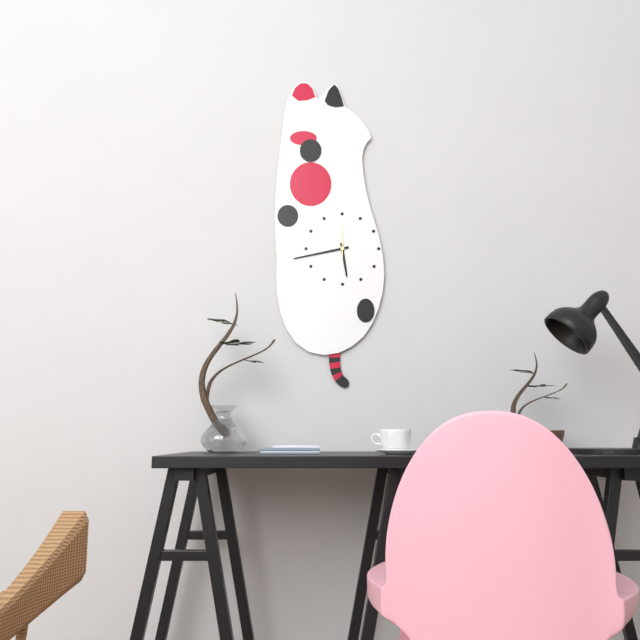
5:43
